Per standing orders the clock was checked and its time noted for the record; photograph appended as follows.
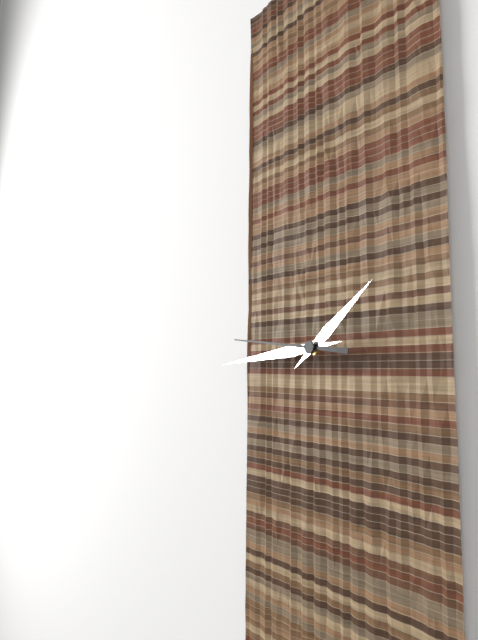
1:44:46
